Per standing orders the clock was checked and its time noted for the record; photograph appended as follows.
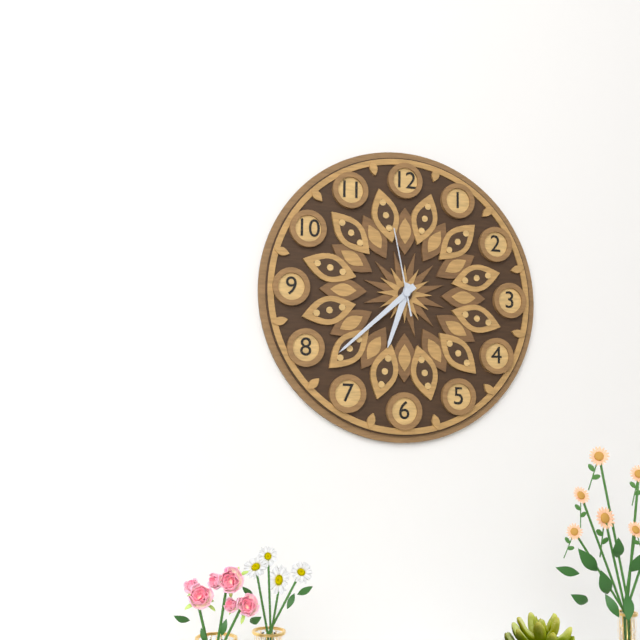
6:38:58
